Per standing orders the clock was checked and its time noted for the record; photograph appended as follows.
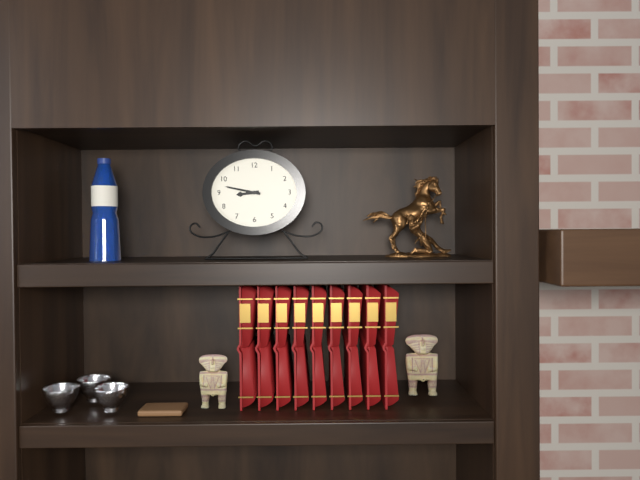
8:47
